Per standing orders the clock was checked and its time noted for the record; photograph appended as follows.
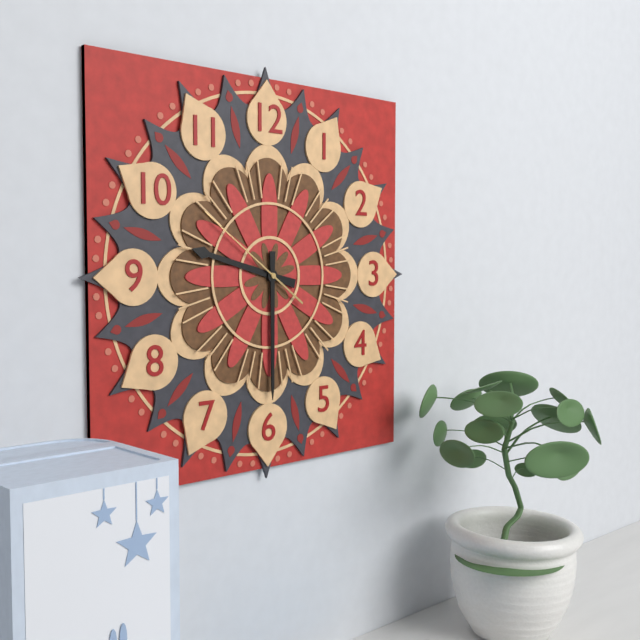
9:30:51
